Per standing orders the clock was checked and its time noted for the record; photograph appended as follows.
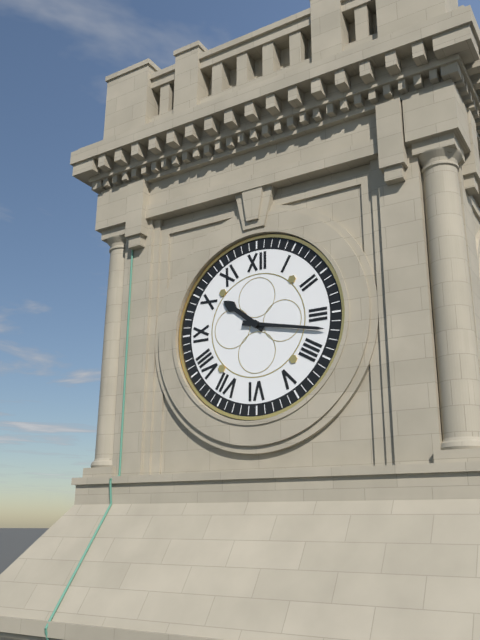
10:17
